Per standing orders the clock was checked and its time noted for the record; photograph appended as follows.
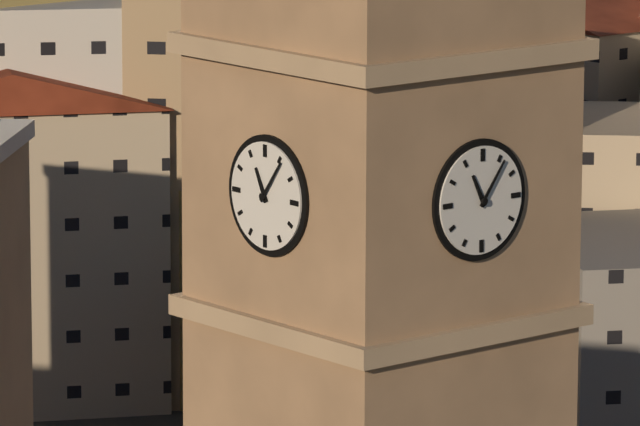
11:06
